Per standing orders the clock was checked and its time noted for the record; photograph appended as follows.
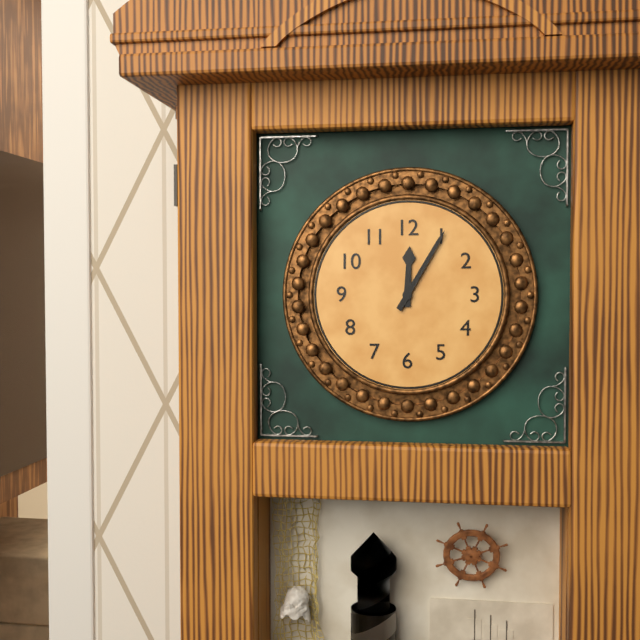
12:05
